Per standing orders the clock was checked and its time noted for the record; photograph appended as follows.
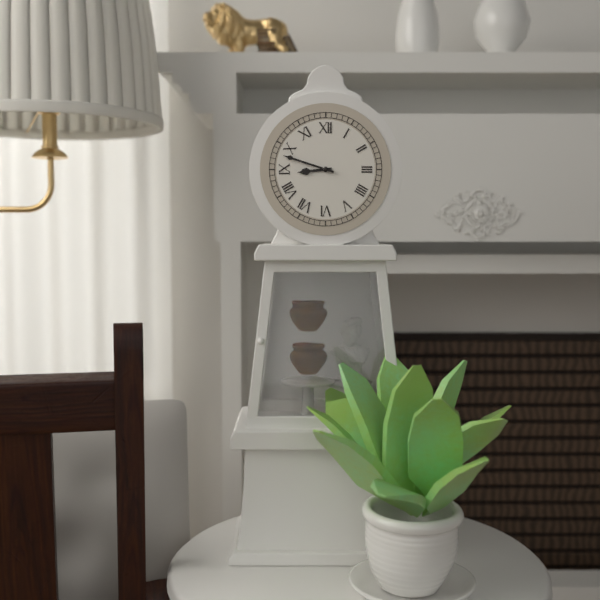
8:48
